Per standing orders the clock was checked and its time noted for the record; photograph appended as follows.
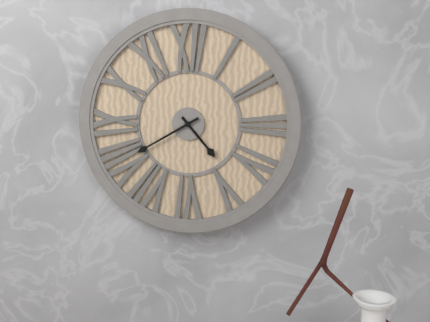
4:40
